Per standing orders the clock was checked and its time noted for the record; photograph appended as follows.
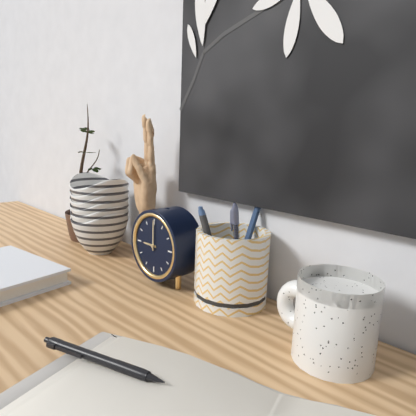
9:00
